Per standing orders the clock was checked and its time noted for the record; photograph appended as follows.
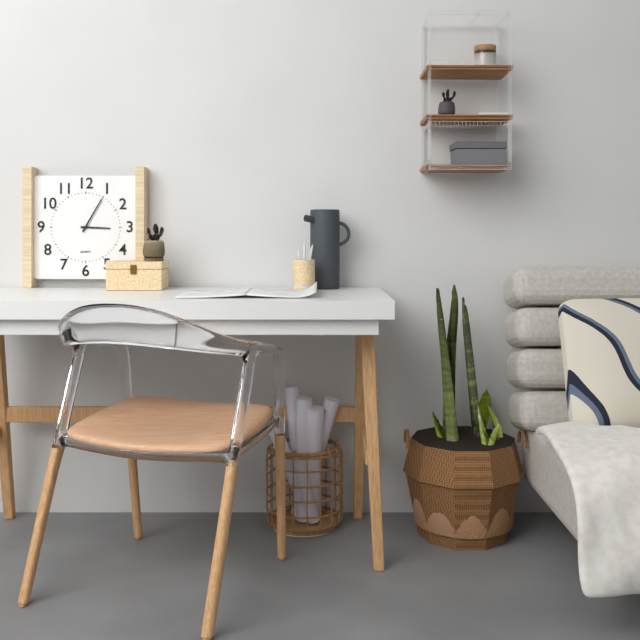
3:05
